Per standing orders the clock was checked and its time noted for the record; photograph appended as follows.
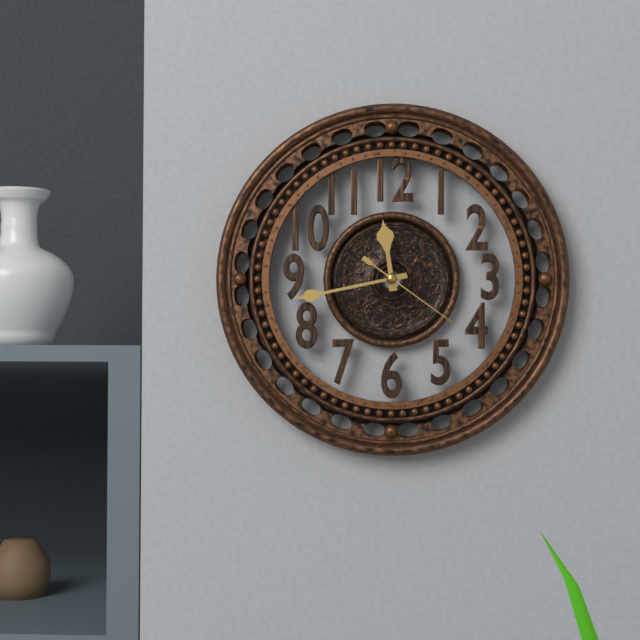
11:43:21
